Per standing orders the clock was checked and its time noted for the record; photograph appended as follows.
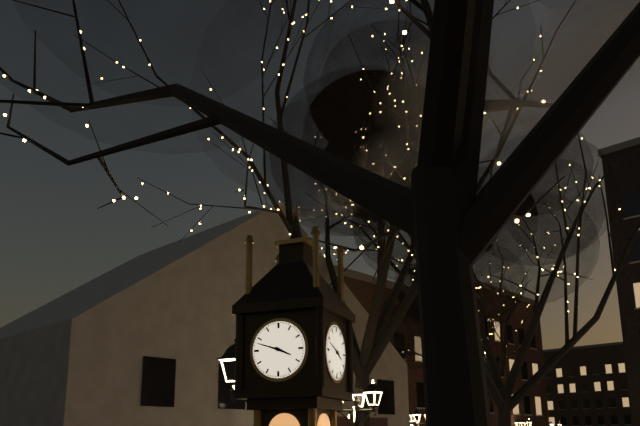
3:48
